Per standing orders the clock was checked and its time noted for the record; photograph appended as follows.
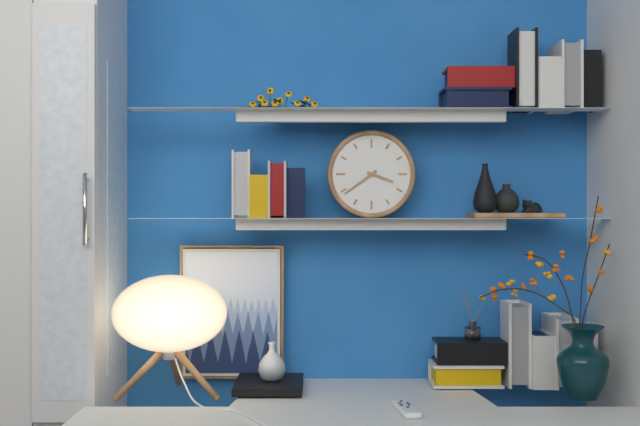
3:39
